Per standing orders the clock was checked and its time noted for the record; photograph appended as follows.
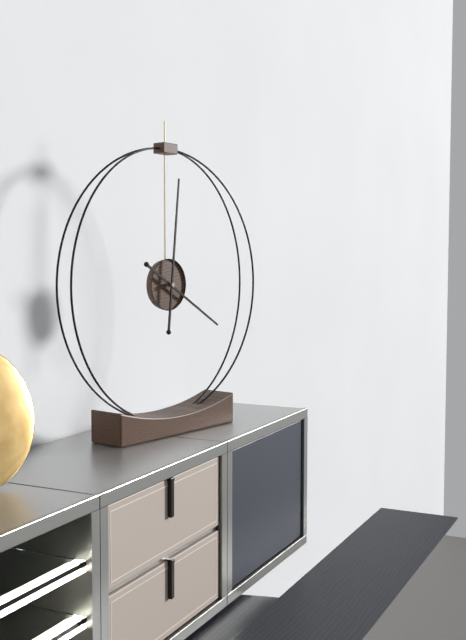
4:01
